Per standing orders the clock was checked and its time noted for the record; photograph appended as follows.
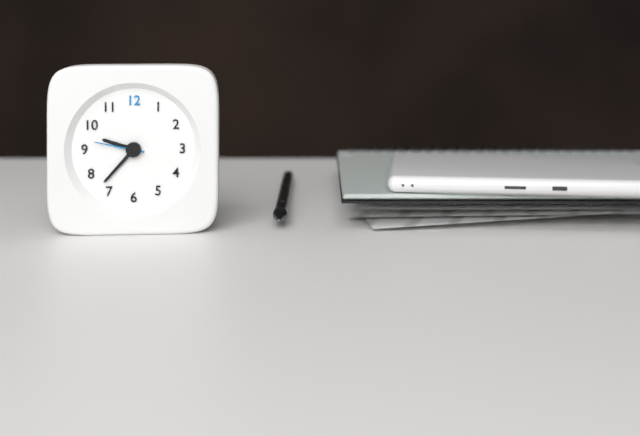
9:37:47
